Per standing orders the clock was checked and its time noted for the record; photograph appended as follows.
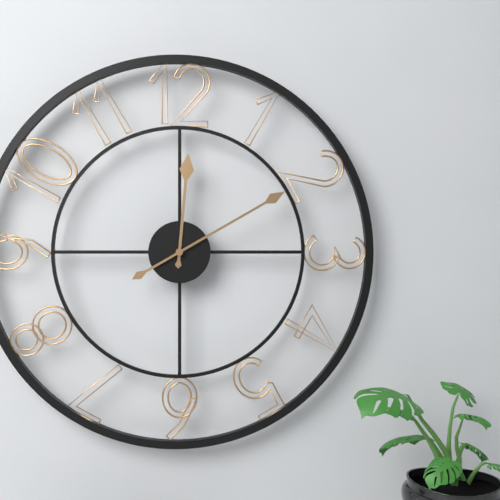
12:10
